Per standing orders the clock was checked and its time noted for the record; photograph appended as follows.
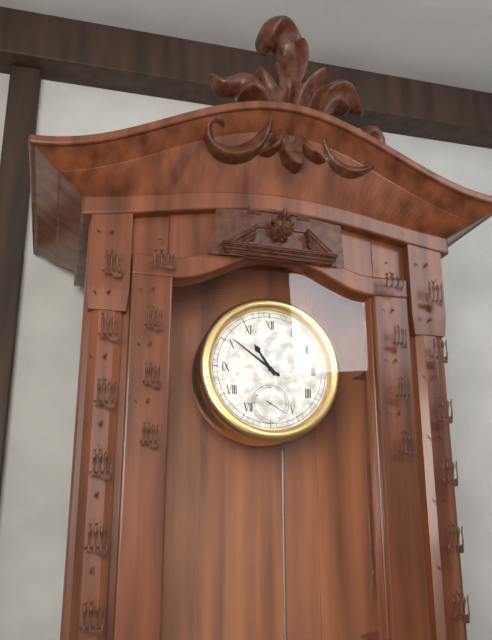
10:51
